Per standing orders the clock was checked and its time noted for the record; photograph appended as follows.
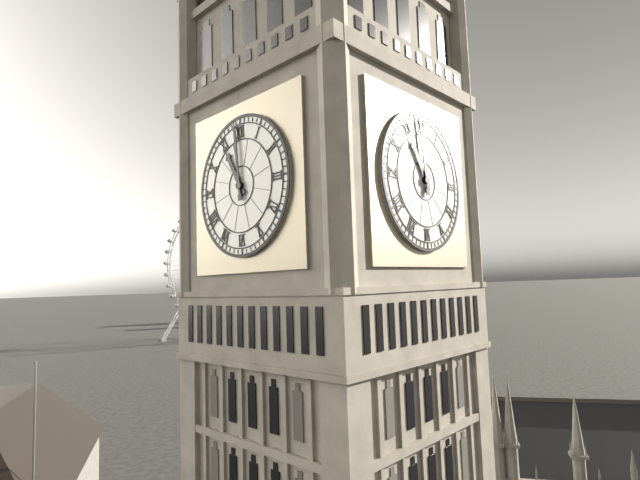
10:59
